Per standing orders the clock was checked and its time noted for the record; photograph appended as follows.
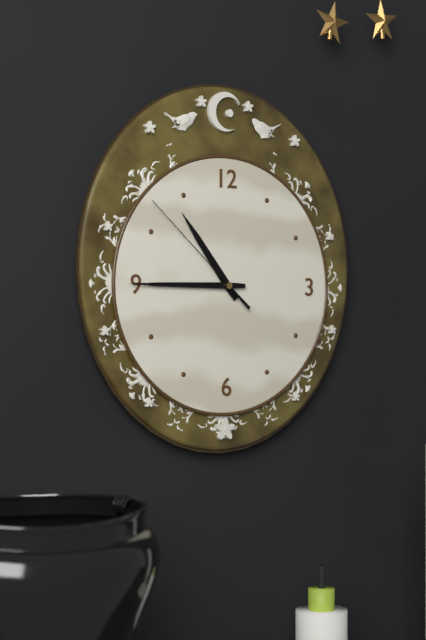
10:45:52
